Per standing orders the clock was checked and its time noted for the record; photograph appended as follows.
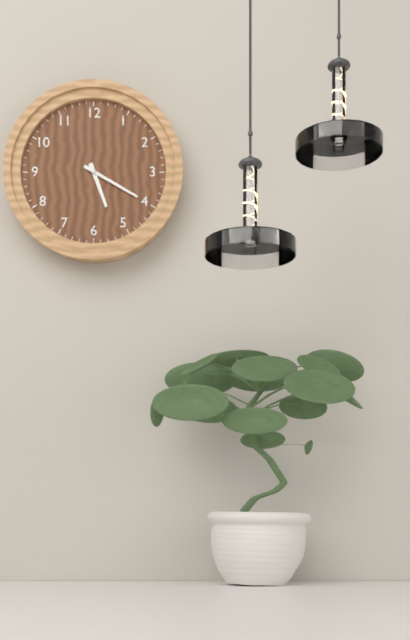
5:20
